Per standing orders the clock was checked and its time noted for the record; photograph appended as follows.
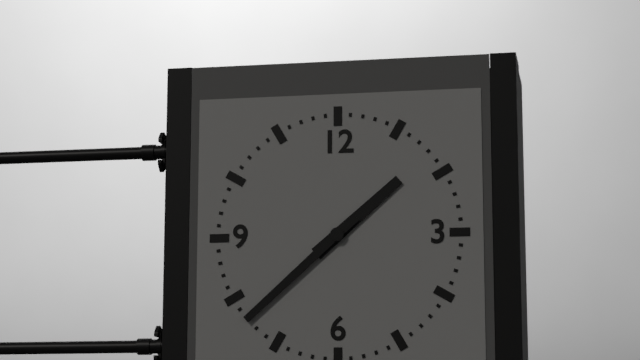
1:38
